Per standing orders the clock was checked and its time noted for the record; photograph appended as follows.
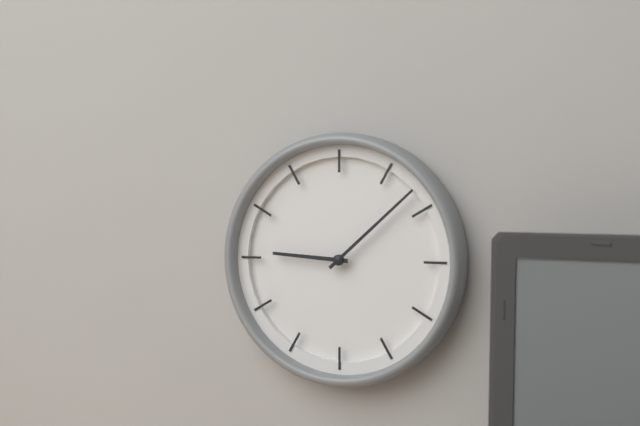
9:08
